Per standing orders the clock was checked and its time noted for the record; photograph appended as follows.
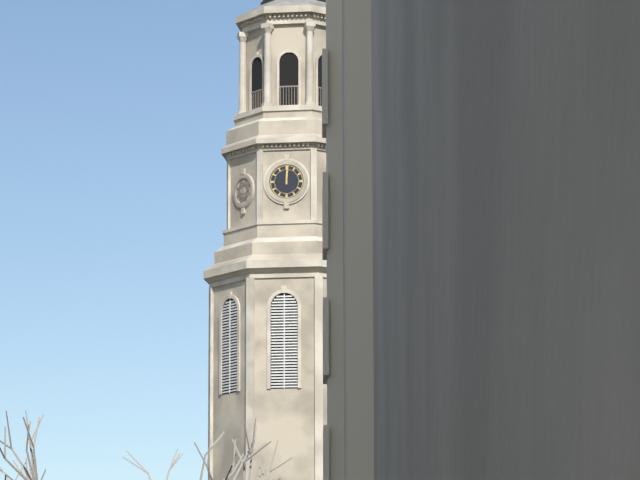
12:01
